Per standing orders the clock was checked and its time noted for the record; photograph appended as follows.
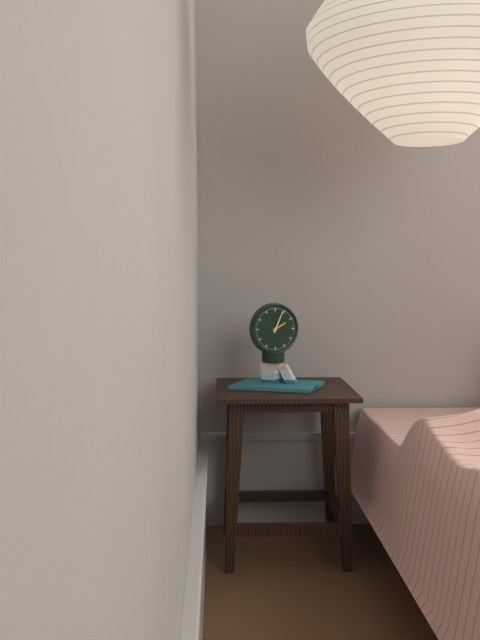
2:04
